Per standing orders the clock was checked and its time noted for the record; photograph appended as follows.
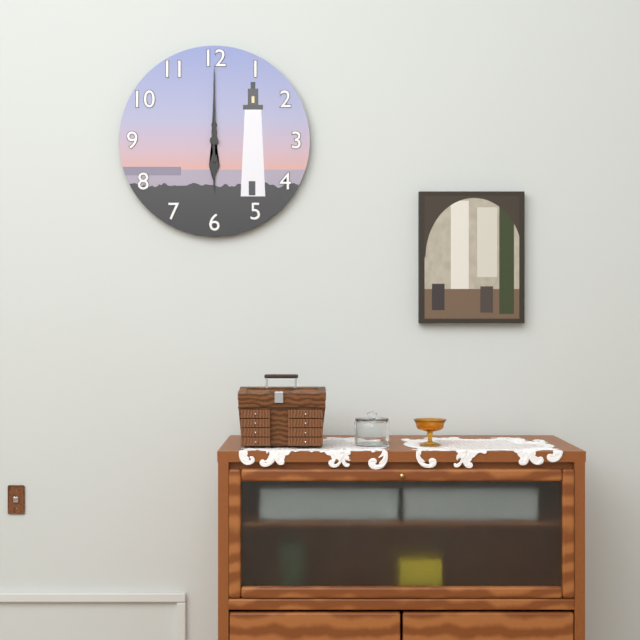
6:00
